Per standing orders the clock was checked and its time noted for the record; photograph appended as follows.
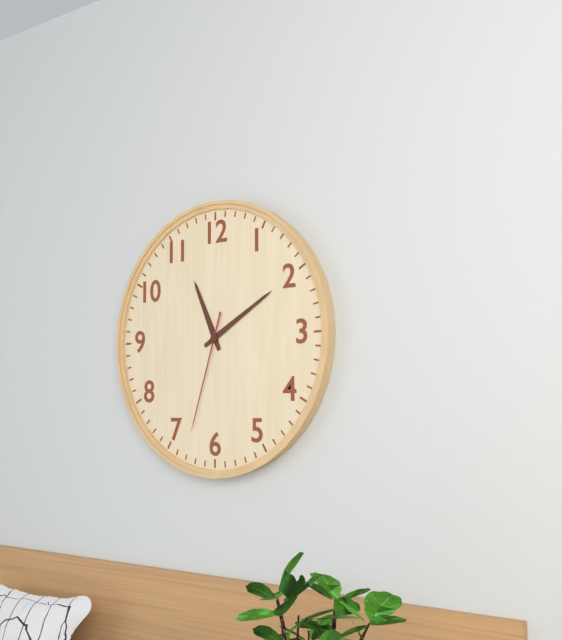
11:10:33
